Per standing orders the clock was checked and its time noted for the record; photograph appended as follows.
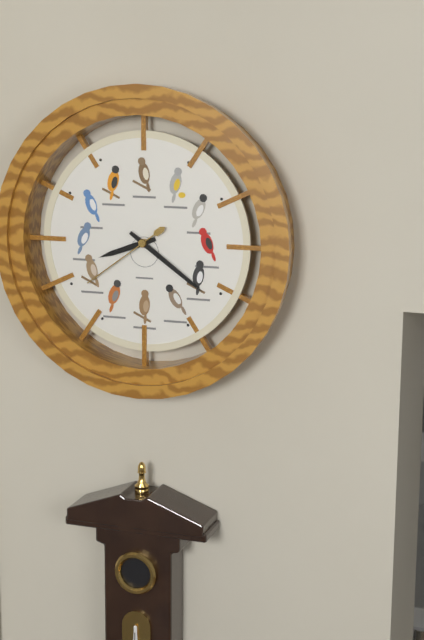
8:21:39
